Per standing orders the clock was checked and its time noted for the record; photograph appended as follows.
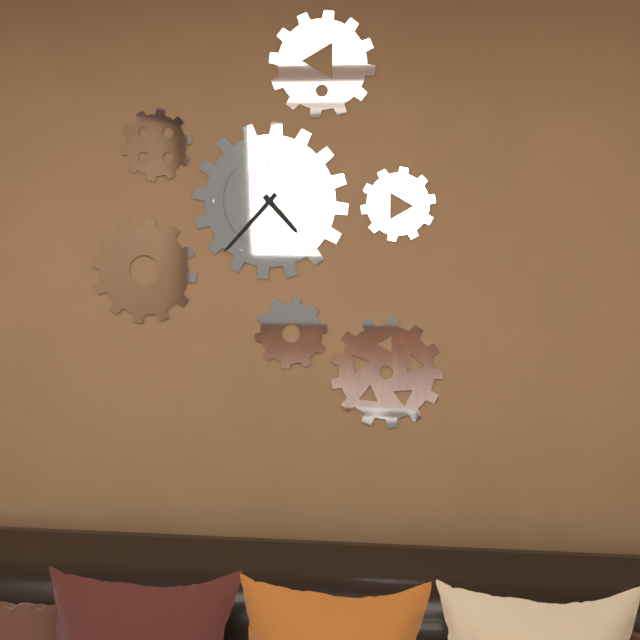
4:37
